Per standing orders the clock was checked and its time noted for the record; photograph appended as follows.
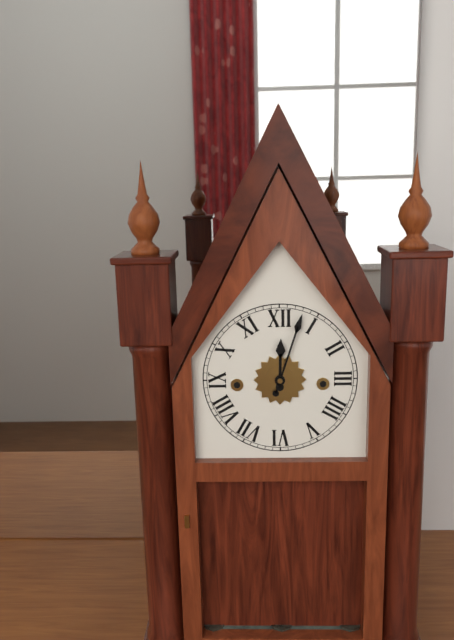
12:03
